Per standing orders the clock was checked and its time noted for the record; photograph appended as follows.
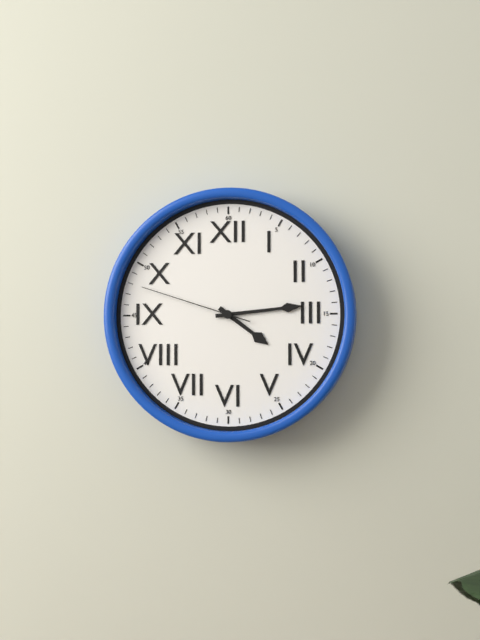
4:14:48
